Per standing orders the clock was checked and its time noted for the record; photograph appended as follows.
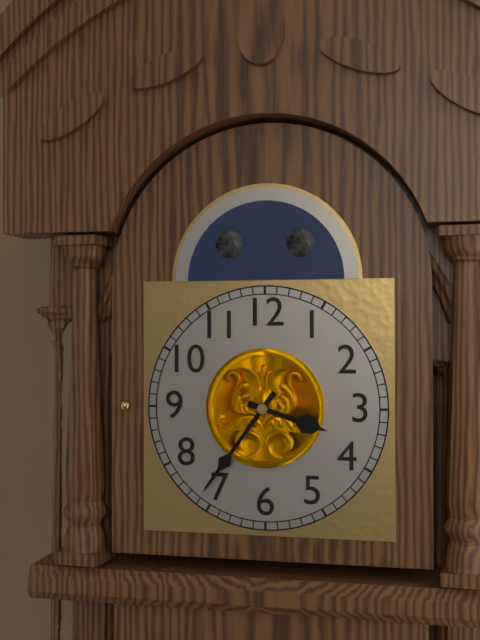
3:36
